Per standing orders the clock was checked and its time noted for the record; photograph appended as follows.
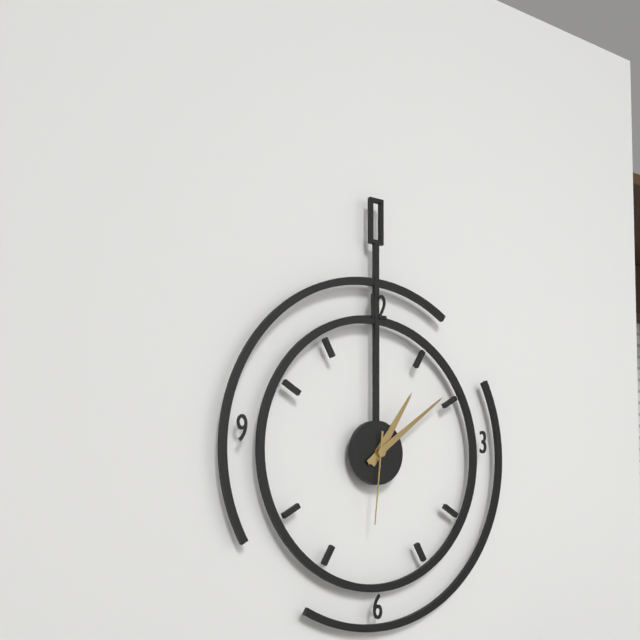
1:09:31
